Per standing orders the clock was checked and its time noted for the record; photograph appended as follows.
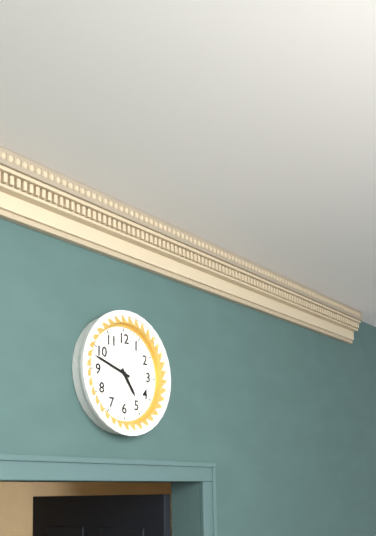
4:48
